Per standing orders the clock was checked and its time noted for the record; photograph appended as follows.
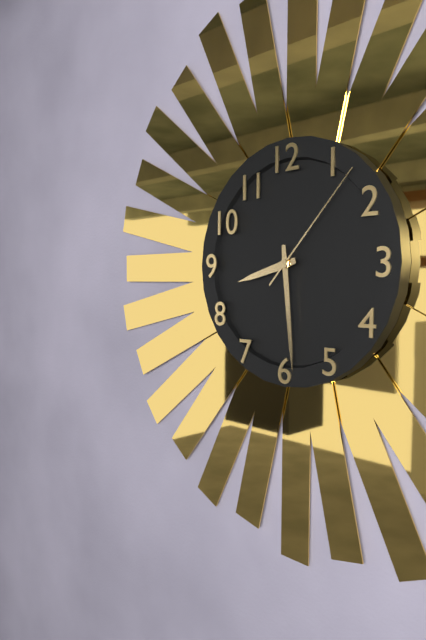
8:29:07
